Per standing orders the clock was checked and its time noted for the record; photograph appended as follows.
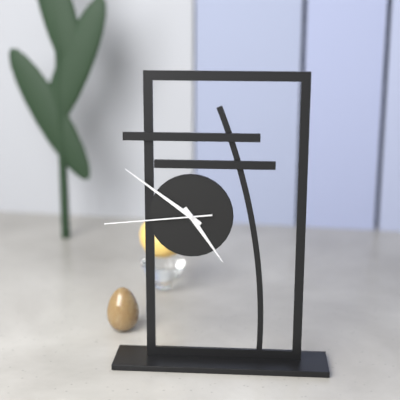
4:51:44
